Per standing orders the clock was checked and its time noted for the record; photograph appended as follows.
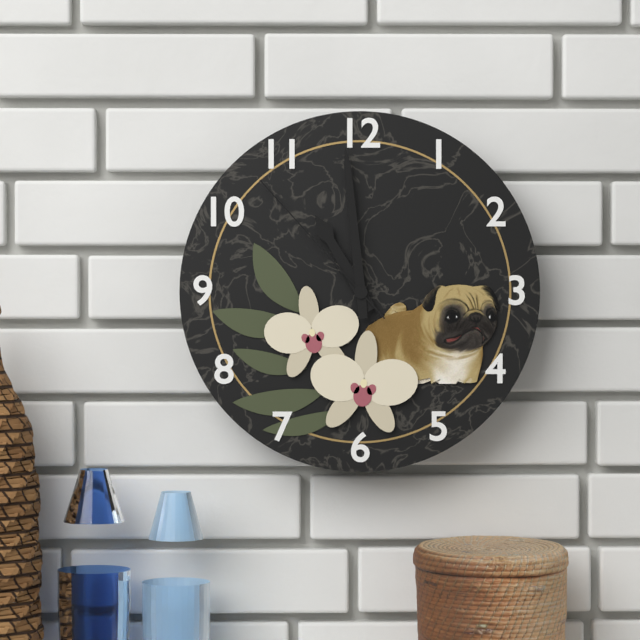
10:59:53
